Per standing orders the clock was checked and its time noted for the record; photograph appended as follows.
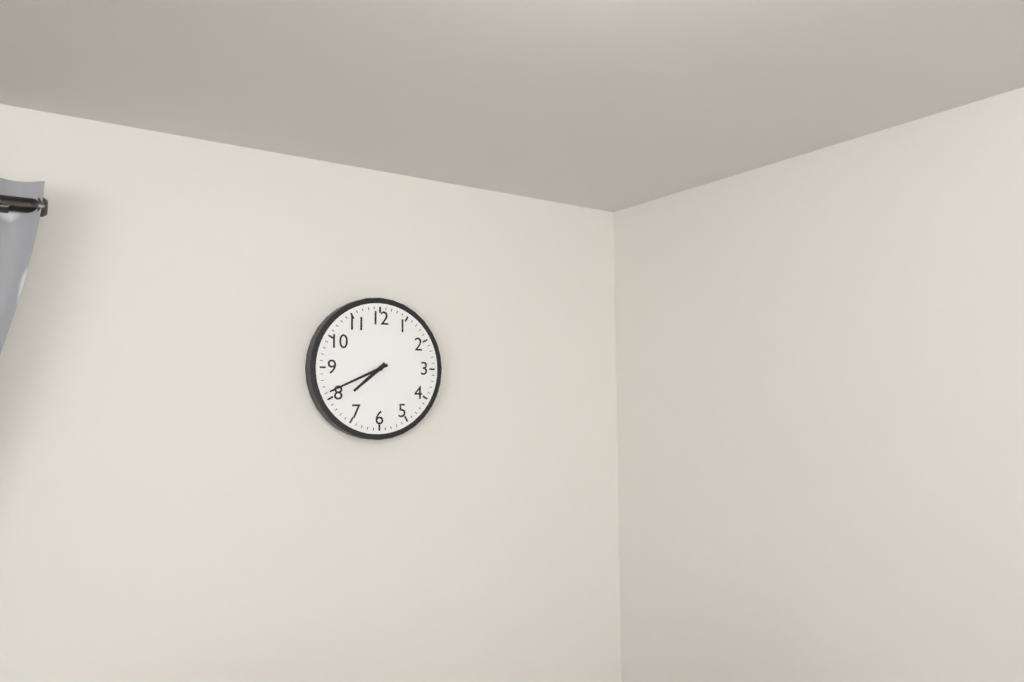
7:41
